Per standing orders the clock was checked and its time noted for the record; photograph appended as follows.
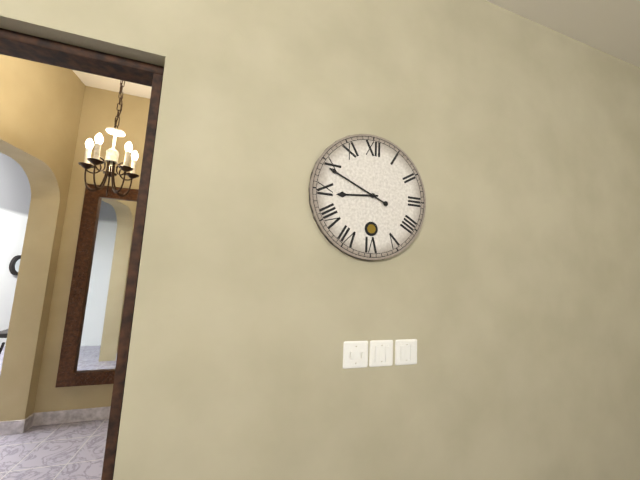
8:49
